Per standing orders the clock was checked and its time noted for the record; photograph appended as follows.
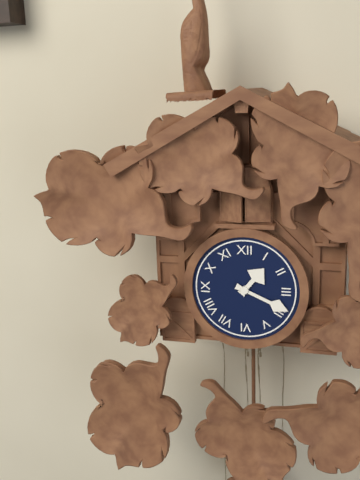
1:19
